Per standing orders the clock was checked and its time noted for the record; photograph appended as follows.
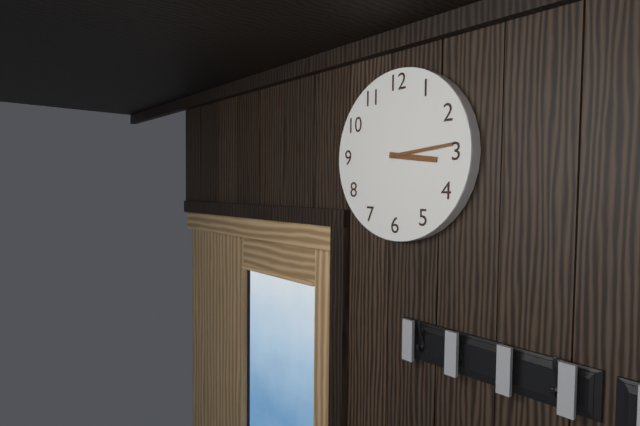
3:14
